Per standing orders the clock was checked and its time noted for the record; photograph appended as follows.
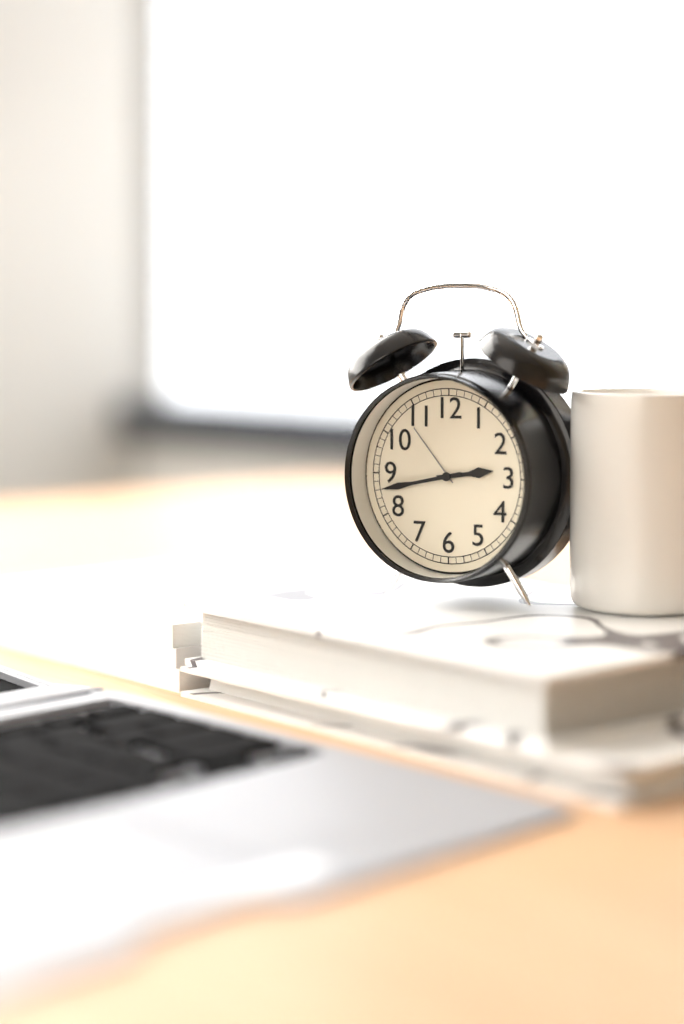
2:43
